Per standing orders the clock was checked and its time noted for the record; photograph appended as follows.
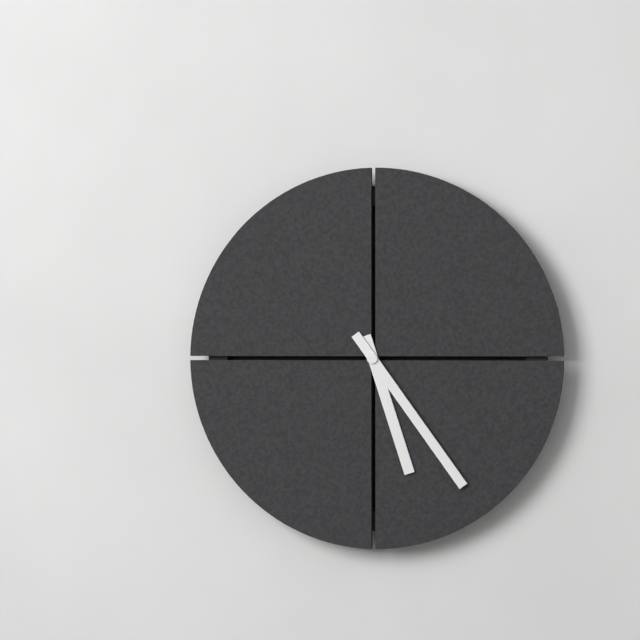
5:24
